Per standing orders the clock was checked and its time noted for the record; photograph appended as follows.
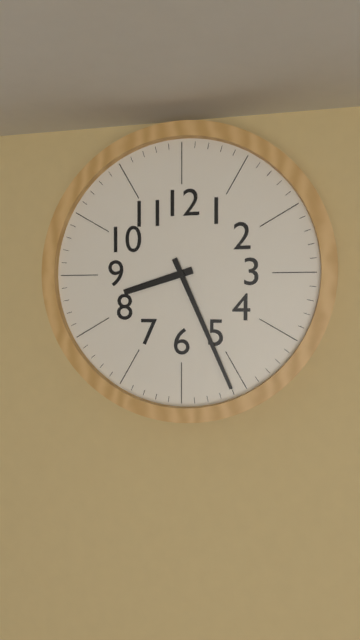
8:26
